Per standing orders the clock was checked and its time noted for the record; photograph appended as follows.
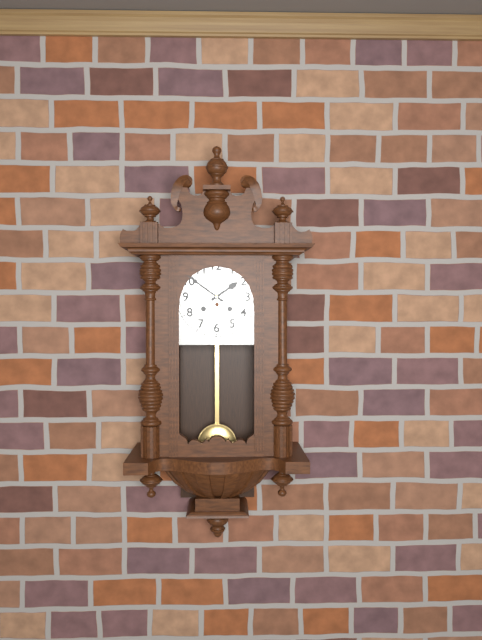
1:51
